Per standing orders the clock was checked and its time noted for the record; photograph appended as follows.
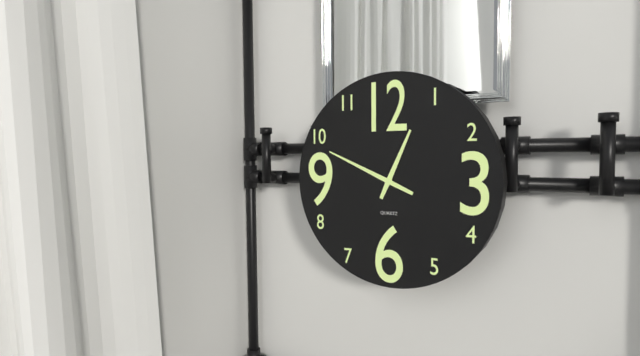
12:49
